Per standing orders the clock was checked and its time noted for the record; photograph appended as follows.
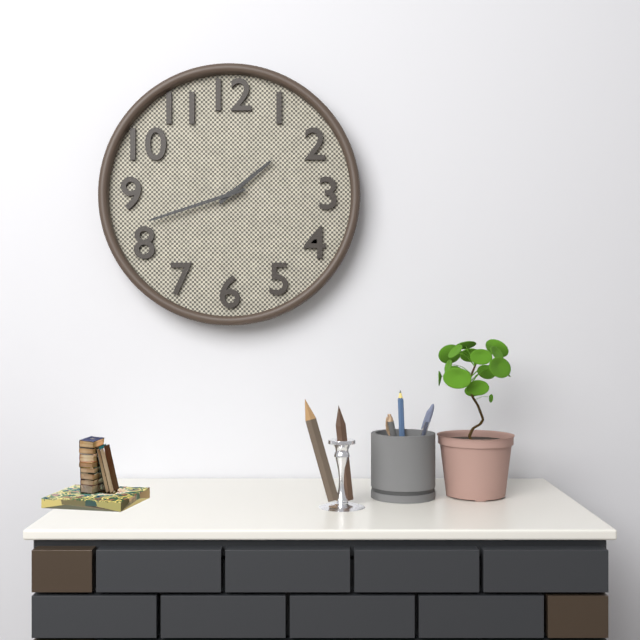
1:42
